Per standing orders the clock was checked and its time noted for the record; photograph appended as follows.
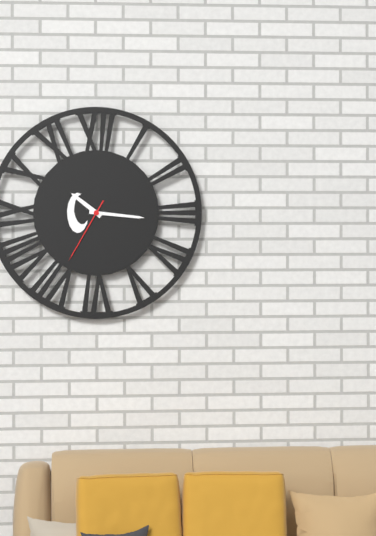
10:16:35
